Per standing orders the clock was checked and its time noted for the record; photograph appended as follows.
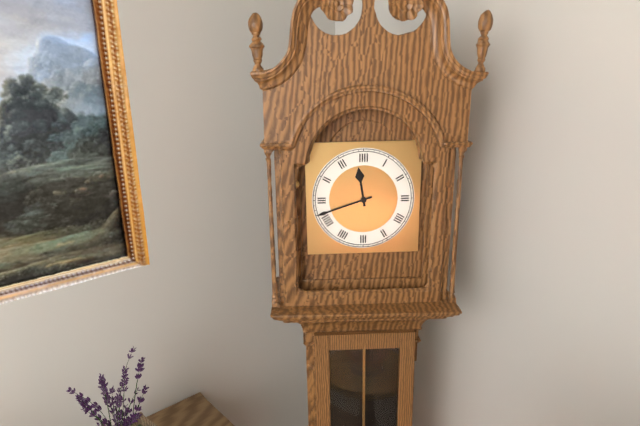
11:42
